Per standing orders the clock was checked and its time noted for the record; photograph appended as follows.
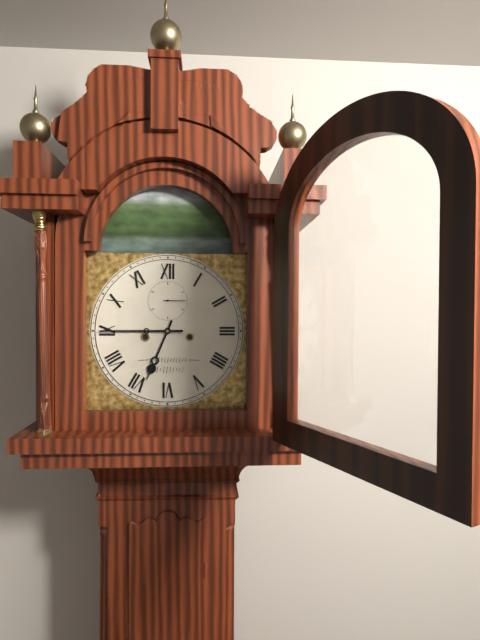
6:45
